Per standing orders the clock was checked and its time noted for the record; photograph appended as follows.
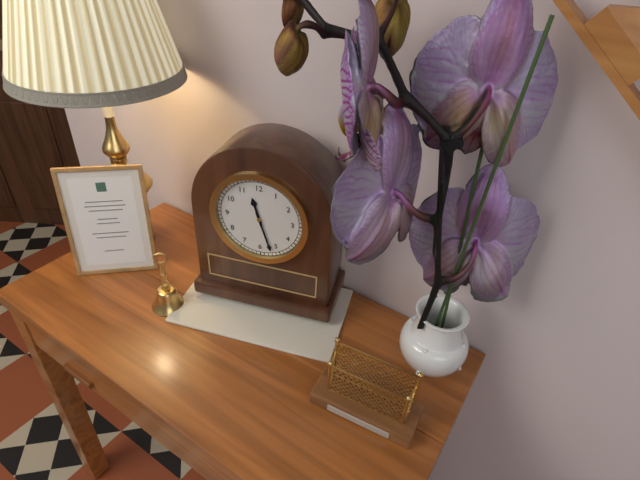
11:27
